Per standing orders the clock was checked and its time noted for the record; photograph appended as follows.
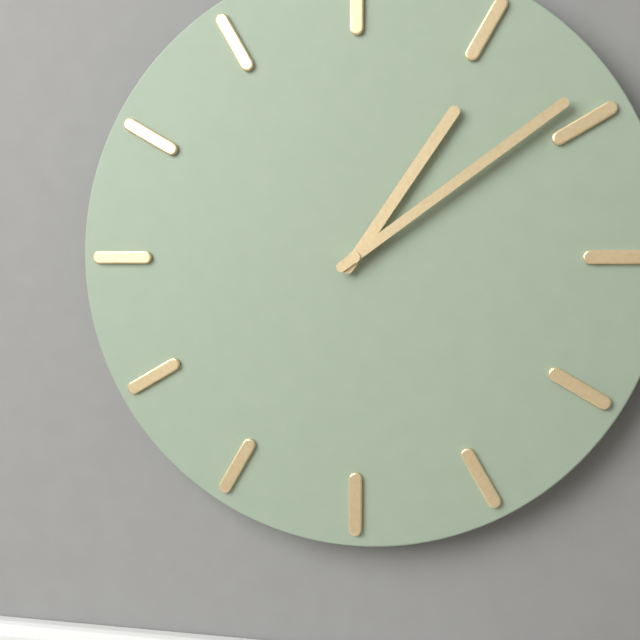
1:09
